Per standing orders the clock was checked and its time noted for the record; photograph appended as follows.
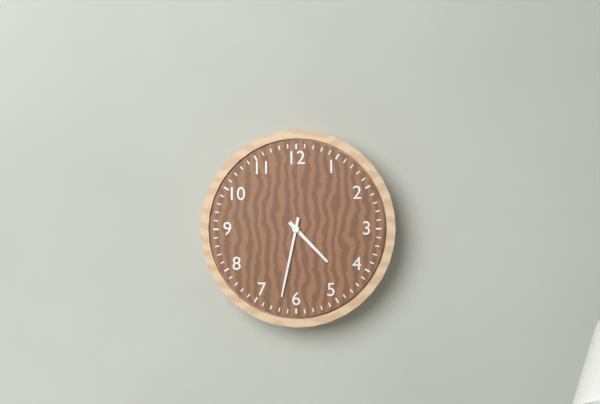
4:32
